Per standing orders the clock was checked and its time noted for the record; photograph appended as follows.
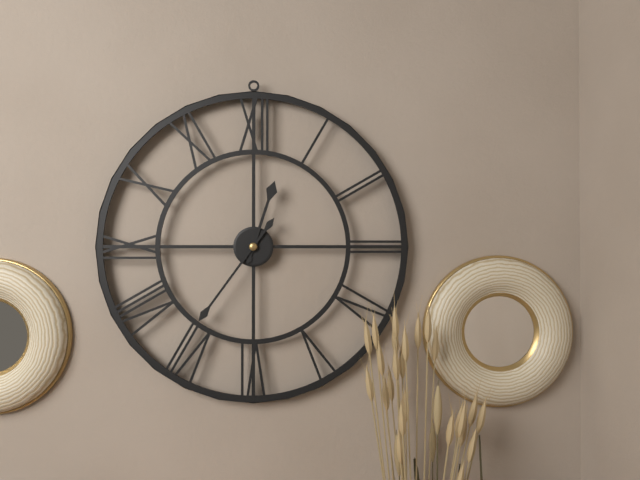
12:36
